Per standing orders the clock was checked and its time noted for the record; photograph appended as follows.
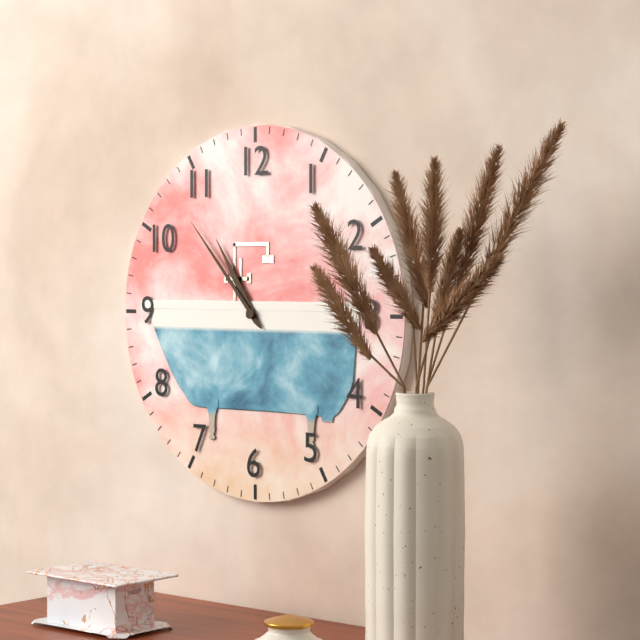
10:53
